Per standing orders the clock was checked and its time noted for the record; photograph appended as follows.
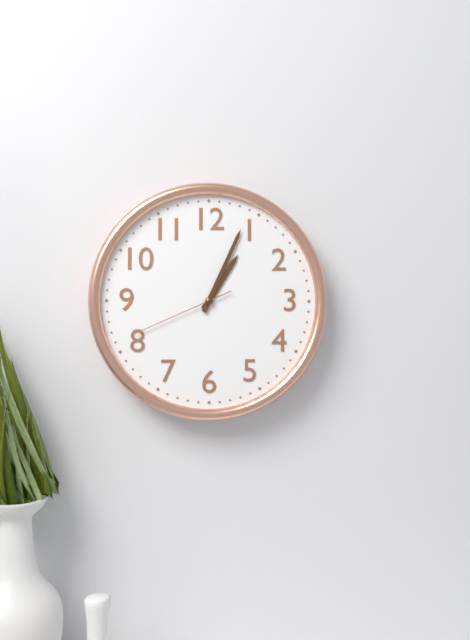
1:04:41
